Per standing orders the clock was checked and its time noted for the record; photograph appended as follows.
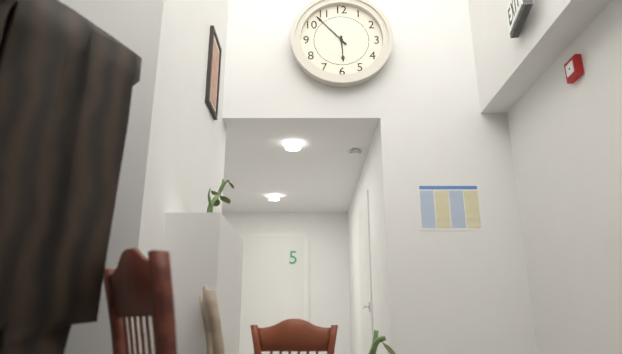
5:53
